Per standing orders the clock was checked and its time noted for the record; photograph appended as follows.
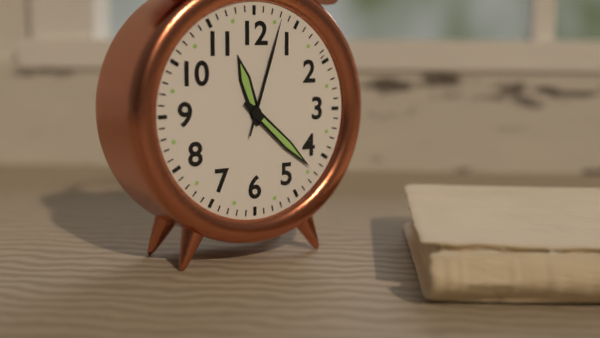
11:22:03
